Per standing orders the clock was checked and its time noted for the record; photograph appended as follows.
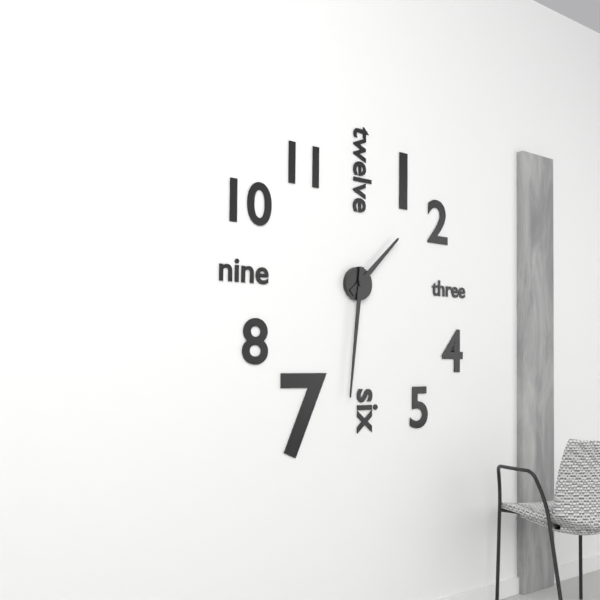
1:31
